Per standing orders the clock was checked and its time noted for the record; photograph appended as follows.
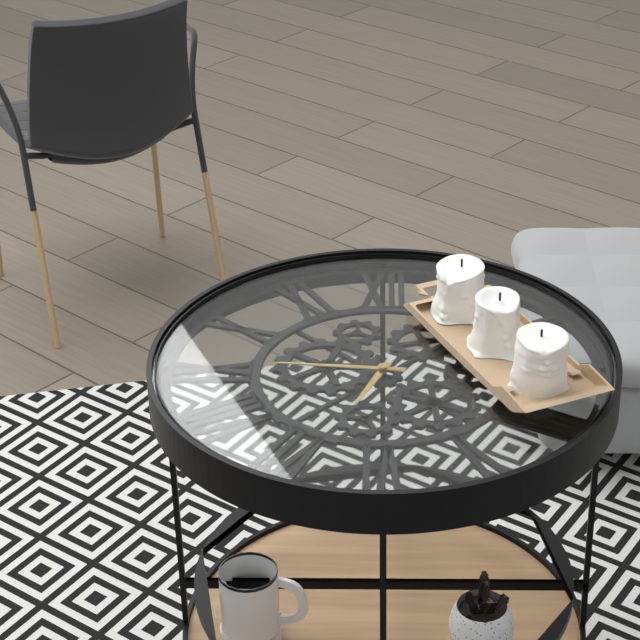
6:46
